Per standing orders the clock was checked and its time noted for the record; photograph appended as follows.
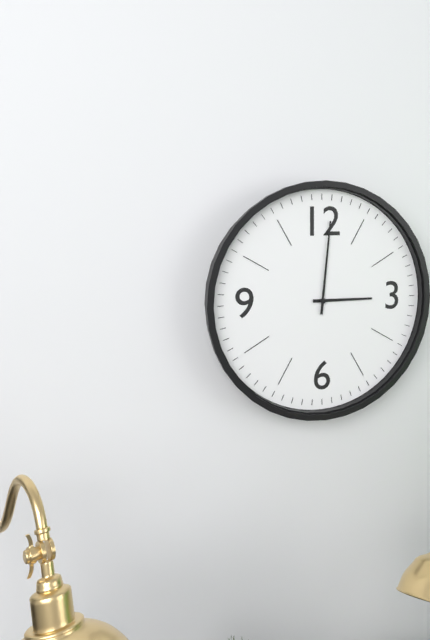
3:01
